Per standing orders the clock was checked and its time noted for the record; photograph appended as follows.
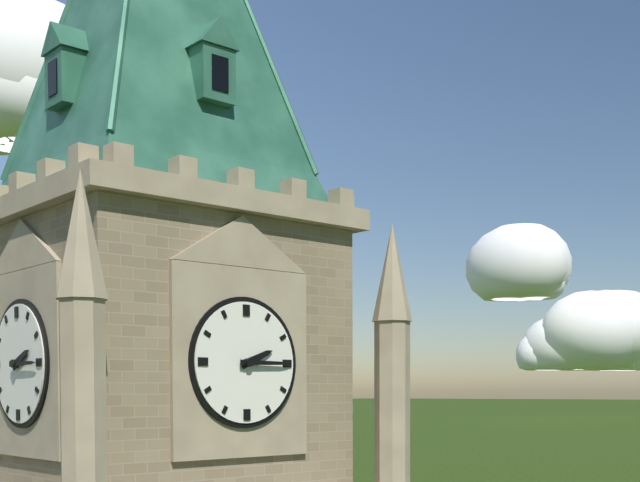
2:15
